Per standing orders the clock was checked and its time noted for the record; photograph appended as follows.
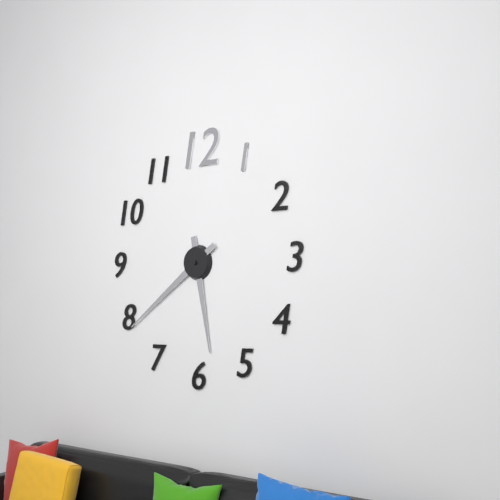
5:39
